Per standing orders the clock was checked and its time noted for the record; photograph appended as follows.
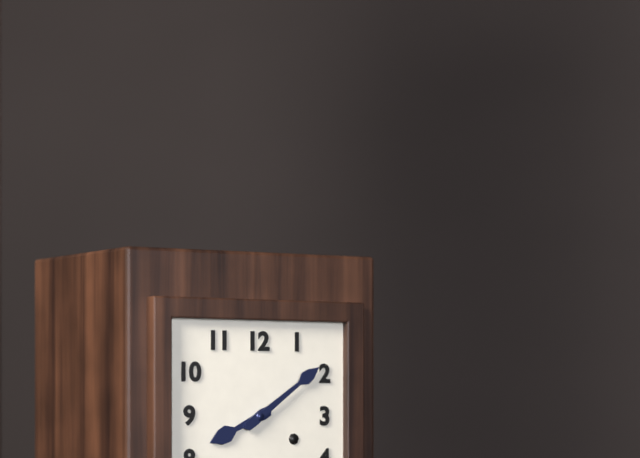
8:09
